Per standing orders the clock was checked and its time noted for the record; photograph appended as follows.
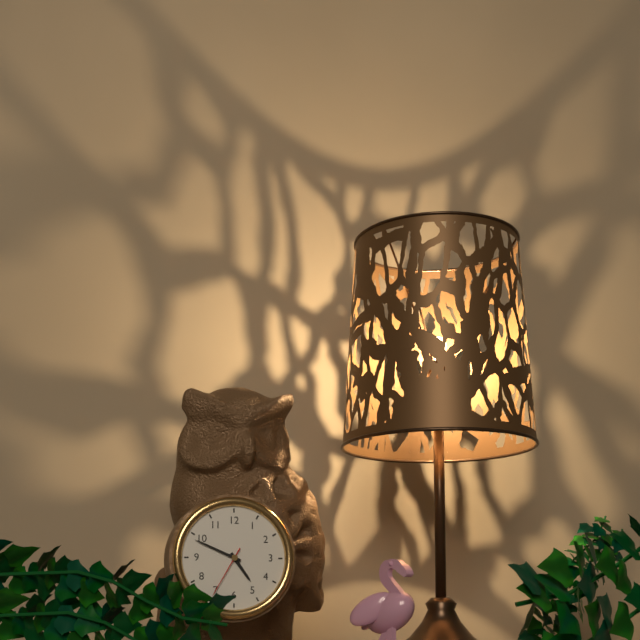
4:49:35
